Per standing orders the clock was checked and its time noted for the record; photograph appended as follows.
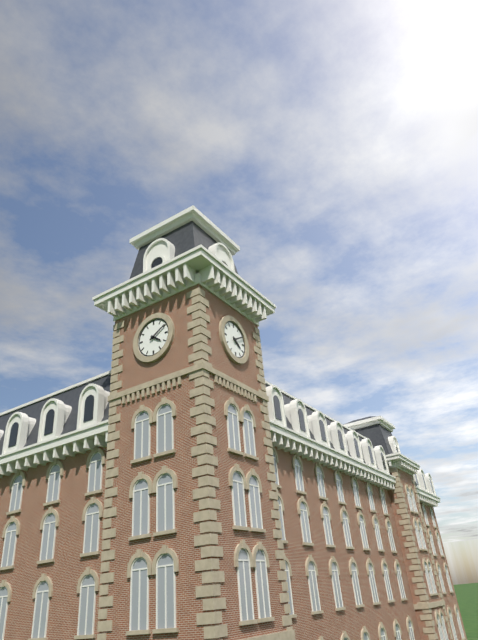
4:10
